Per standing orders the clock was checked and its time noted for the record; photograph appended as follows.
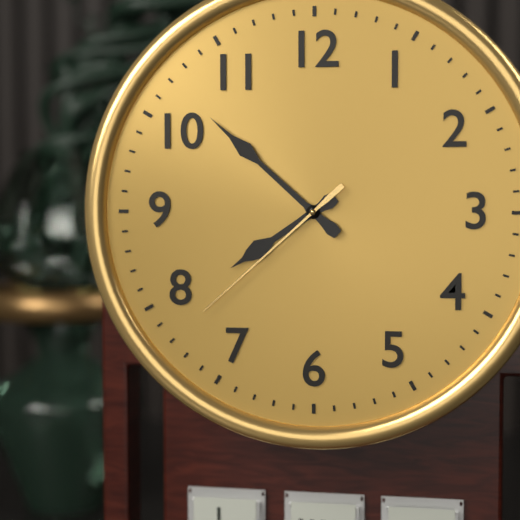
7:52:38
